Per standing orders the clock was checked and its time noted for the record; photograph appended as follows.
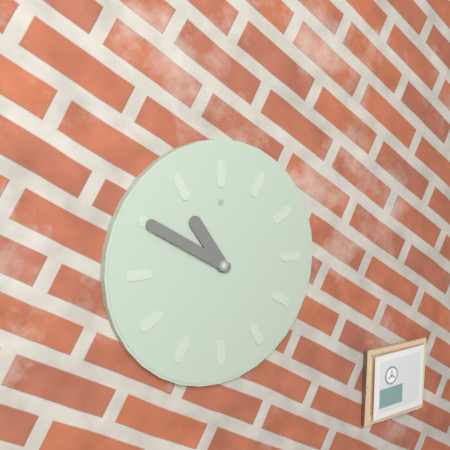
10:50
